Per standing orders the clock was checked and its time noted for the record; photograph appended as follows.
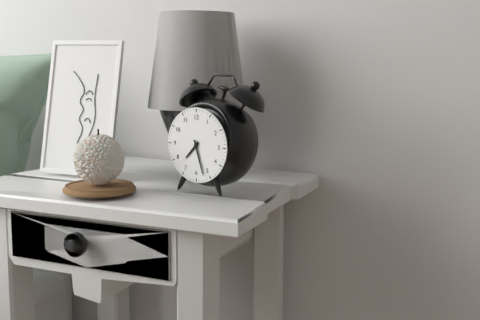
7:27
